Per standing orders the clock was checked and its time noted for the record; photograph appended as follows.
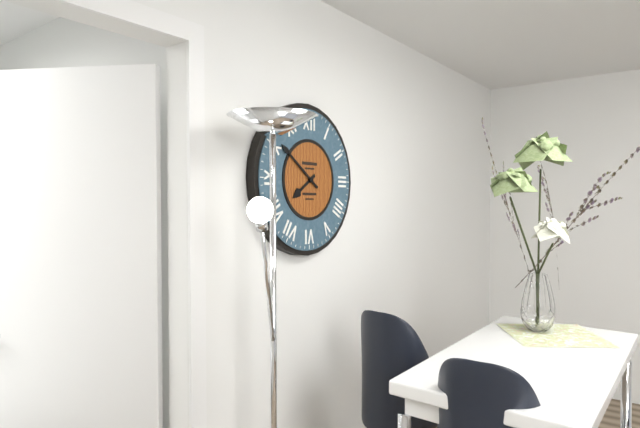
7:51
